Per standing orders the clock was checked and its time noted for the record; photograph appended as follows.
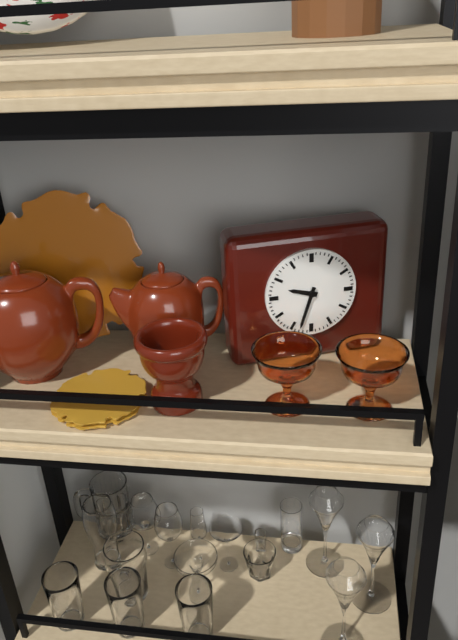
9:33
